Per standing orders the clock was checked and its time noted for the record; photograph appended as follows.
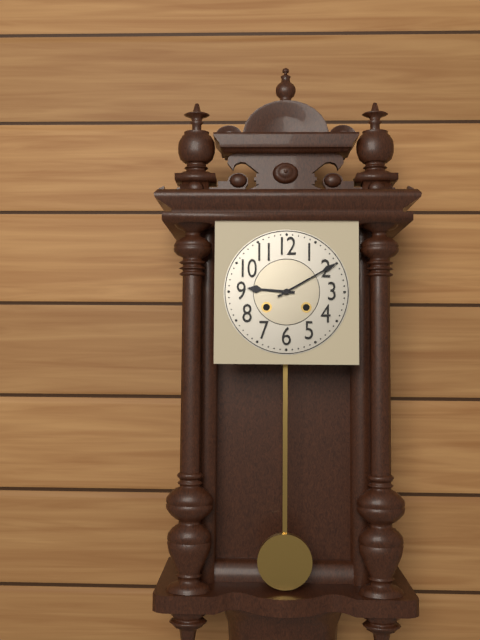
9:10
